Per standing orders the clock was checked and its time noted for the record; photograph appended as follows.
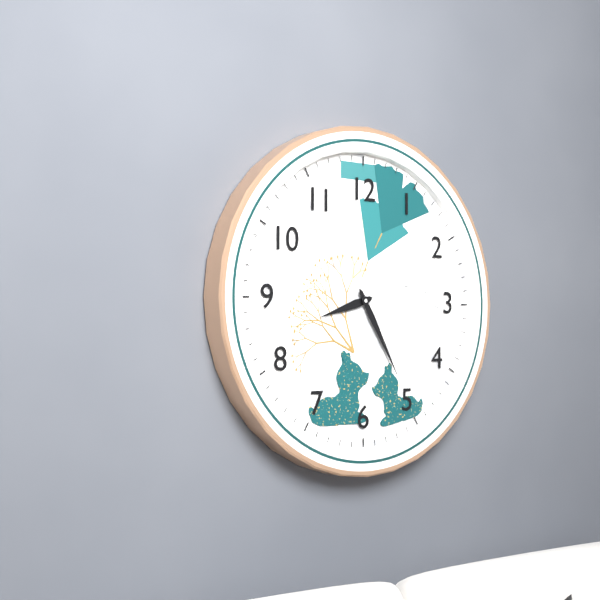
8:25
